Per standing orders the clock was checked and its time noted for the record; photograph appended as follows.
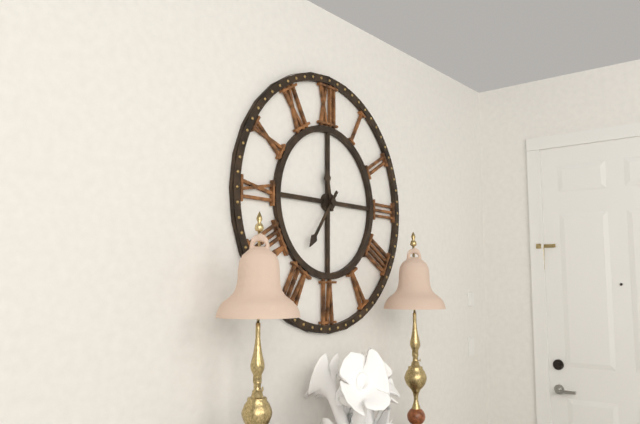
11:36
